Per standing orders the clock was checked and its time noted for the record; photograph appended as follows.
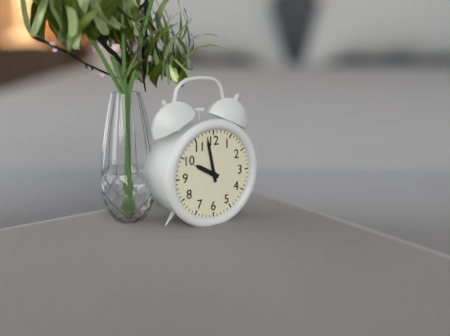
9:58
